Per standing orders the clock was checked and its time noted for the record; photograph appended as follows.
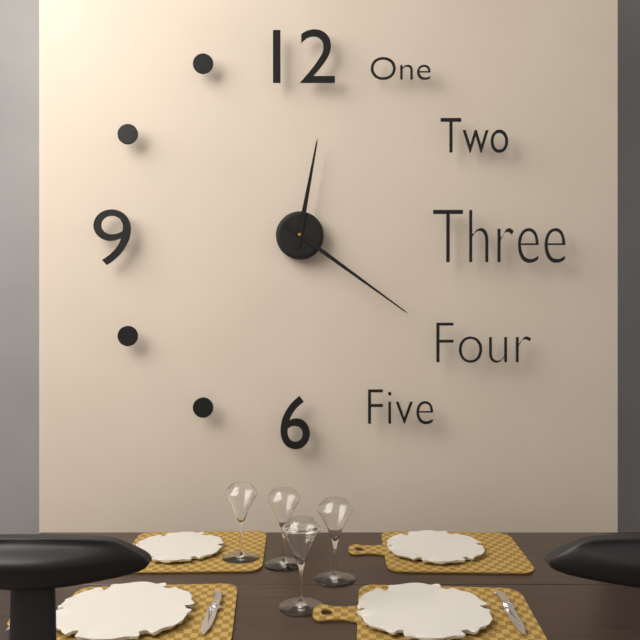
12:21
